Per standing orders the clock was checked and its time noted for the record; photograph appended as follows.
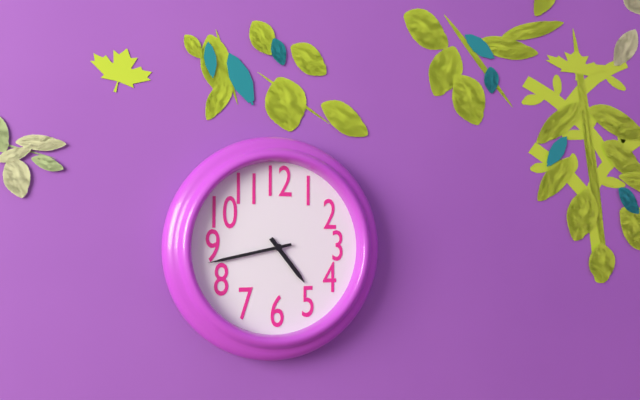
4:43
